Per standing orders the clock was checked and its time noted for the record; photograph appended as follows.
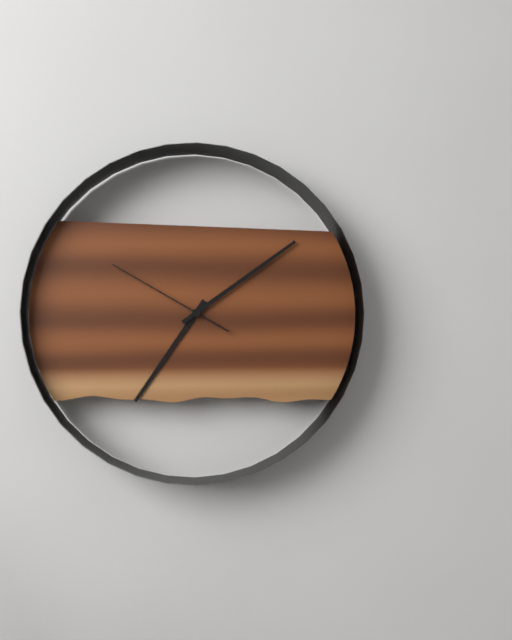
7:09:50
